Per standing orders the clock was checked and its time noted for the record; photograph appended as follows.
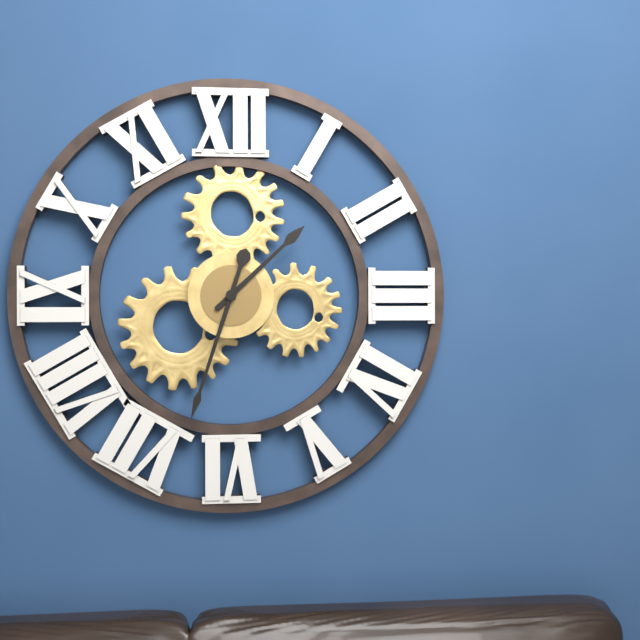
1:33
